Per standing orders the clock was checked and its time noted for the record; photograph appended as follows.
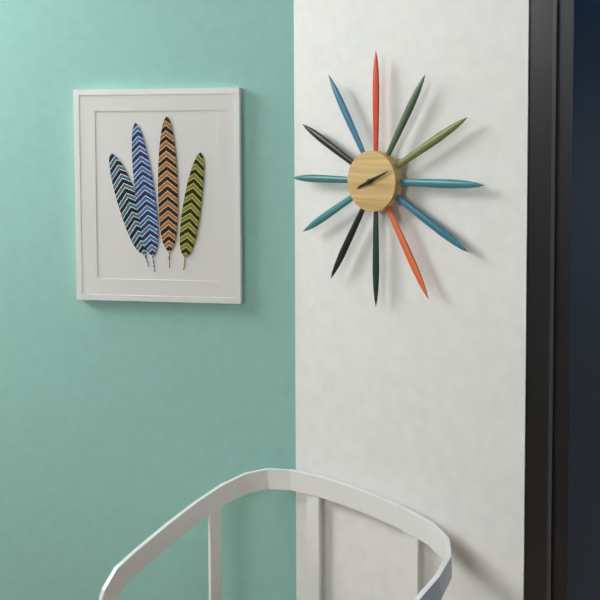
8:11
